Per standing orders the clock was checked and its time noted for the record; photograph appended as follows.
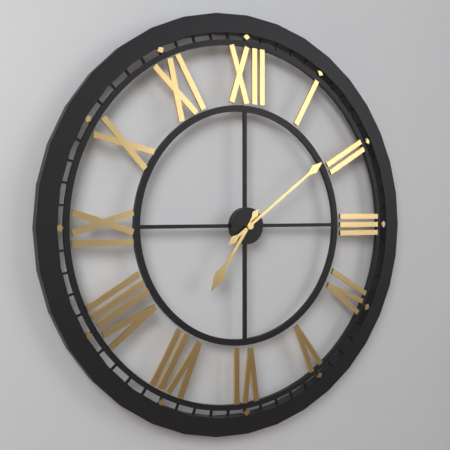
7:09
